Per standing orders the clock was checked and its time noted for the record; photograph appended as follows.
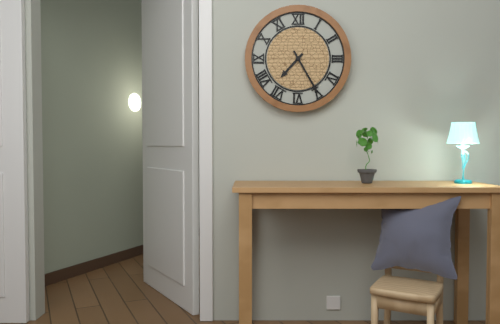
7:25
